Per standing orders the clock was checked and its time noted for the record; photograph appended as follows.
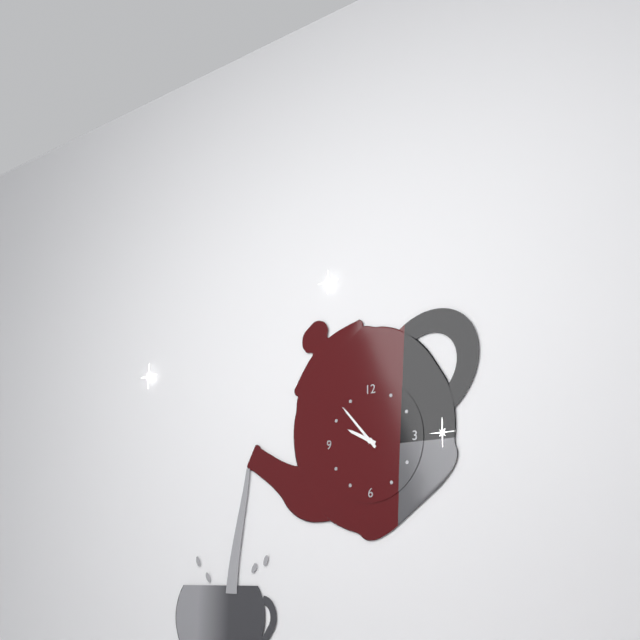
9:53
